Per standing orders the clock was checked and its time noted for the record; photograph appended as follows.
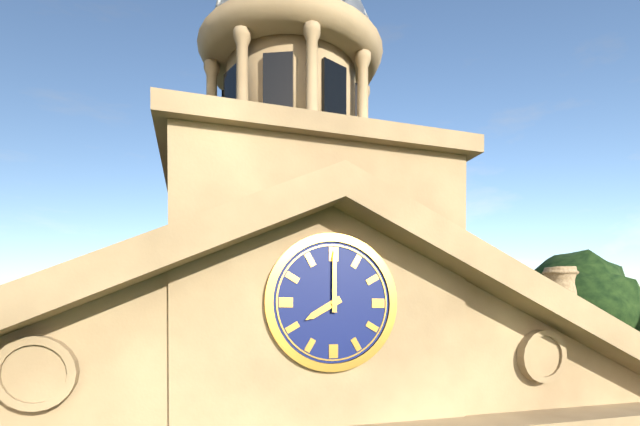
8:00
